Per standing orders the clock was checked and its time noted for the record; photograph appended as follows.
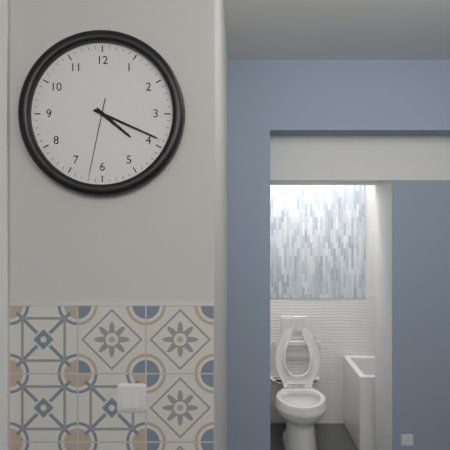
4:19:32
